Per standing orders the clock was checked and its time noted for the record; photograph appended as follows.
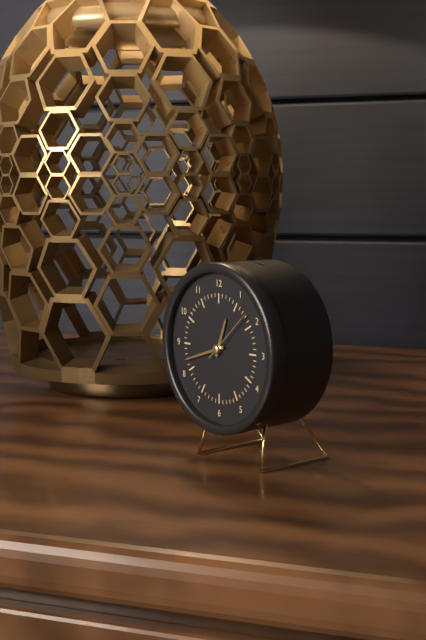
12:42
